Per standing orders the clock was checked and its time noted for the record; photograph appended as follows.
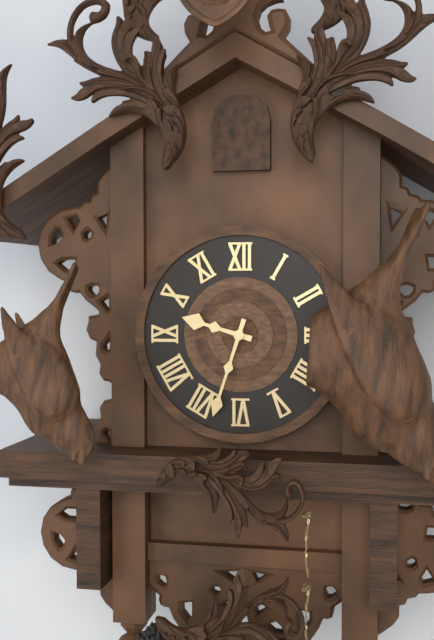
9:33
